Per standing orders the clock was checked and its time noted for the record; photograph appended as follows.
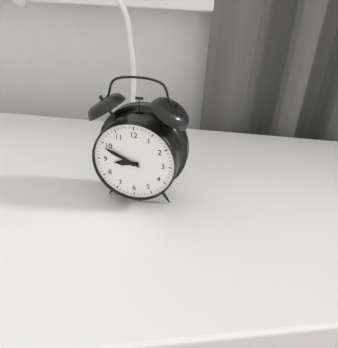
8:49
